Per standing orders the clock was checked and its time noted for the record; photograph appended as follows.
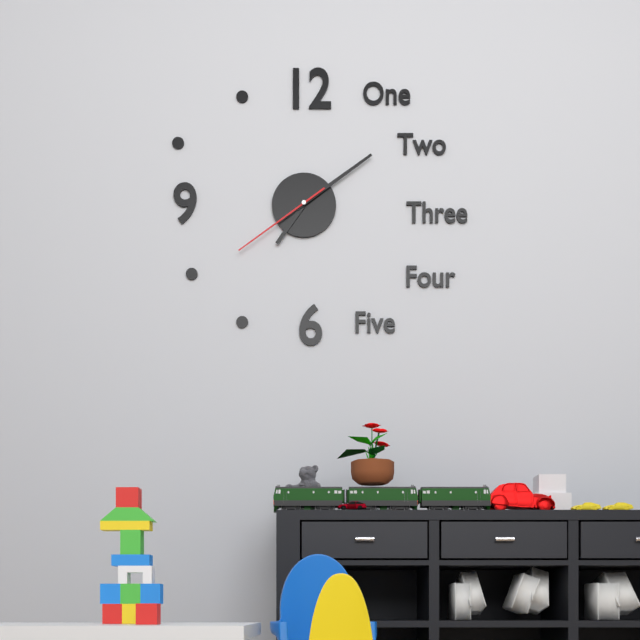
7:09:39
